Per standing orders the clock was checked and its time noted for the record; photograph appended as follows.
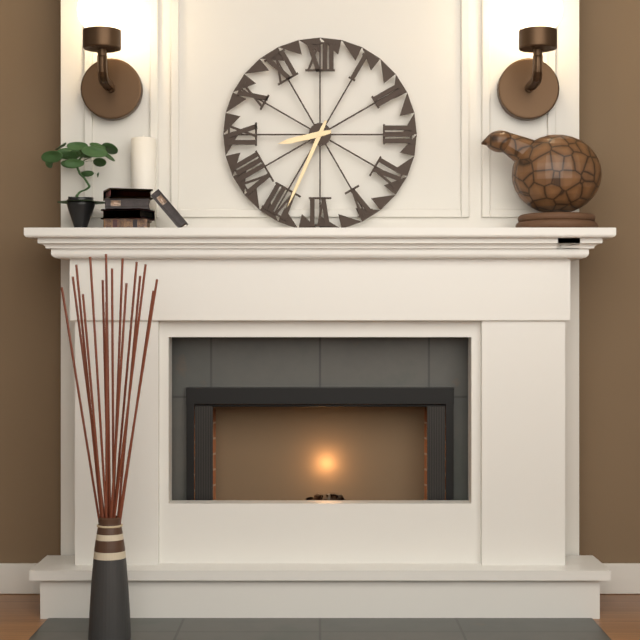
8:34
